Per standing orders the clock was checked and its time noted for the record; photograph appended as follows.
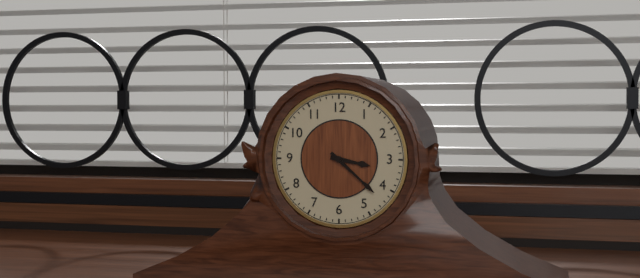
3:22
